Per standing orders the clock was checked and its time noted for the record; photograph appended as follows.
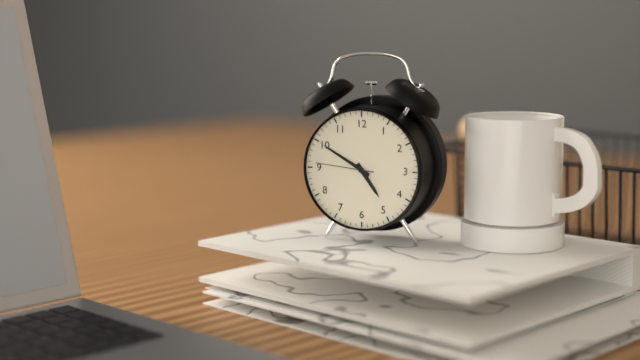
4:50:46
